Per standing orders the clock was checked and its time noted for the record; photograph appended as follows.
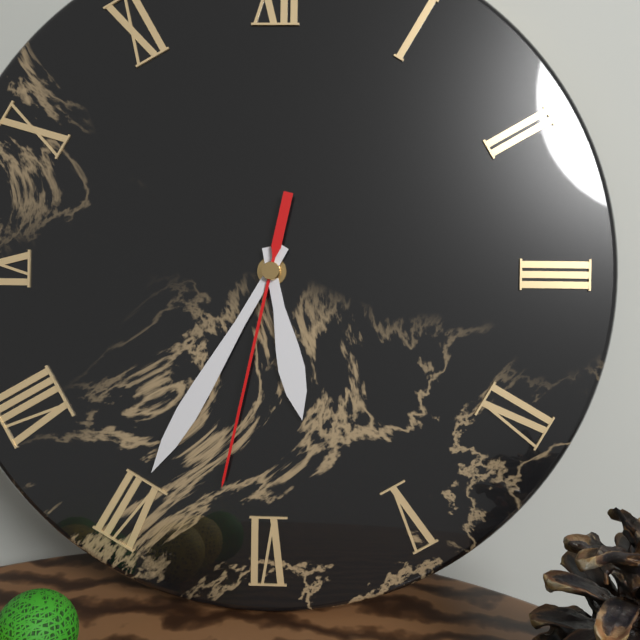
5:35:32
